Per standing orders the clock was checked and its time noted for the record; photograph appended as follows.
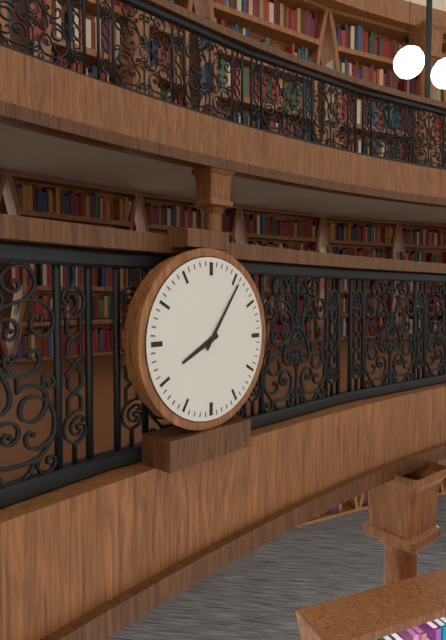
8:06
